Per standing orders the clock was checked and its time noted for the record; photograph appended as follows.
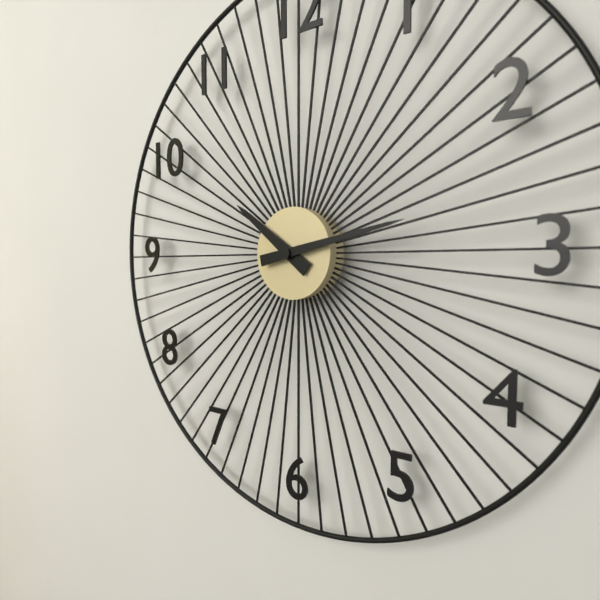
10:13
